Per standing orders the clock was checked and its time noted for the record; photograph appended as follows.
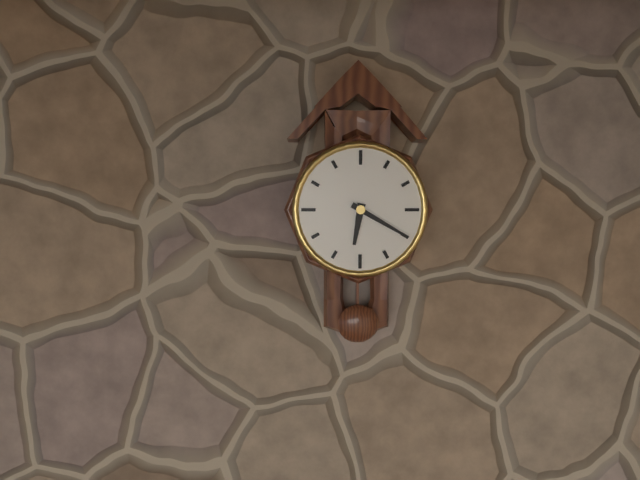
6:20
